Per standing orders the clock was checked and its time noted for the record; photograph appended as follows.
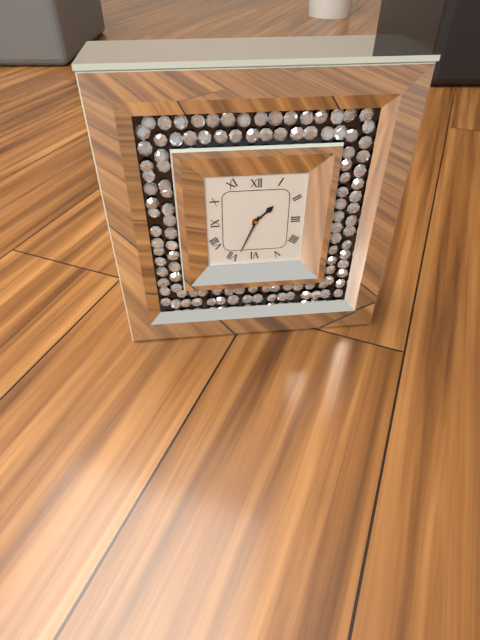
1:34
